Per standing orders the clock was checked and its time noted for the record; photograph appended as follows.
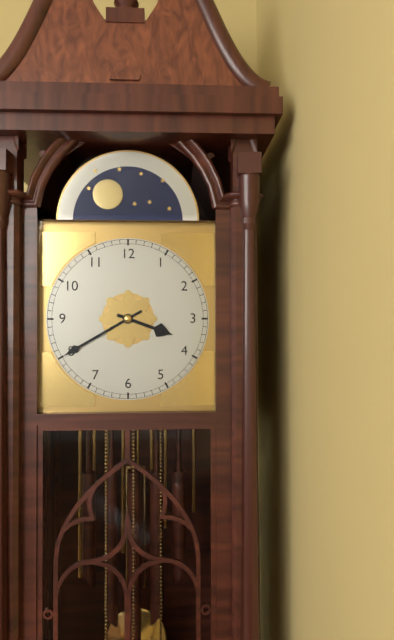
3:40
